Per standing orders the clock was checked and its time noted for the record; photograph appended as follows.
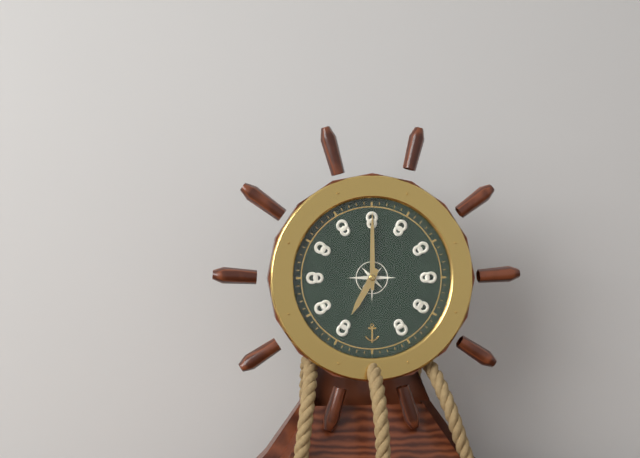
7:00
